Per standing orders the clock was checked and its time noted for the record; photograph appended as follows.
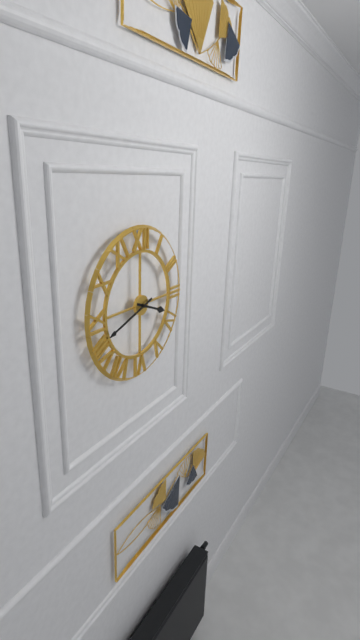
3:42
